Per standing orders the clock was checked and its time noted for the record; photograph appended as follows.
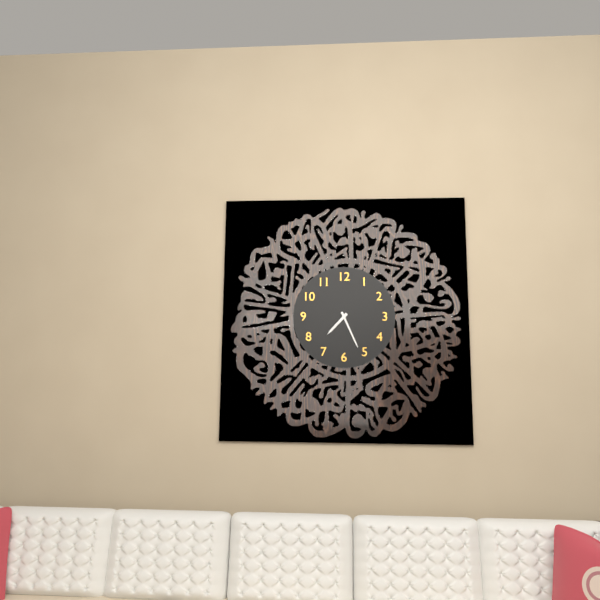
7:26
